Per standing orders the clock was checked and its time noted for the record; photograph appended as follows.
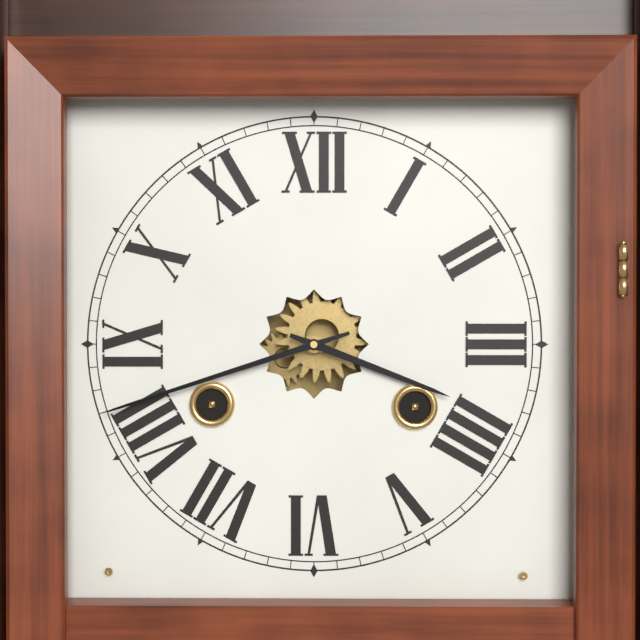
3:42
